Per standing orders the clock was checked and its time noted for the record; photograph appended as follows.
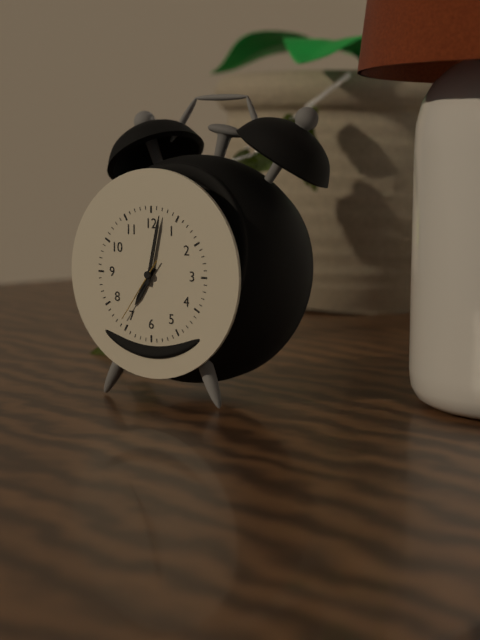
7:02:36
